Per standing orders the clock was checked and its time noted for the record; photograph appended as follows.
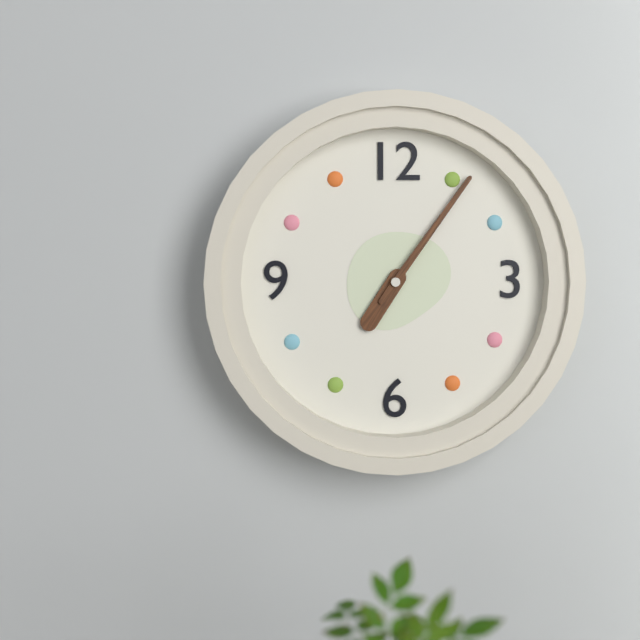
7:06
